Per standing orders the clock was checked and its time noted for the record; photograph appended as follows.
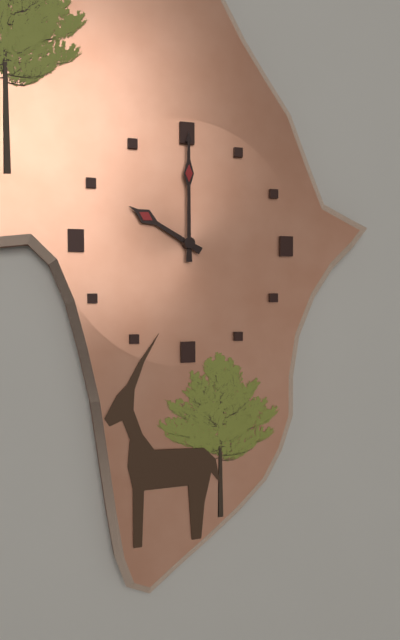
10:00
